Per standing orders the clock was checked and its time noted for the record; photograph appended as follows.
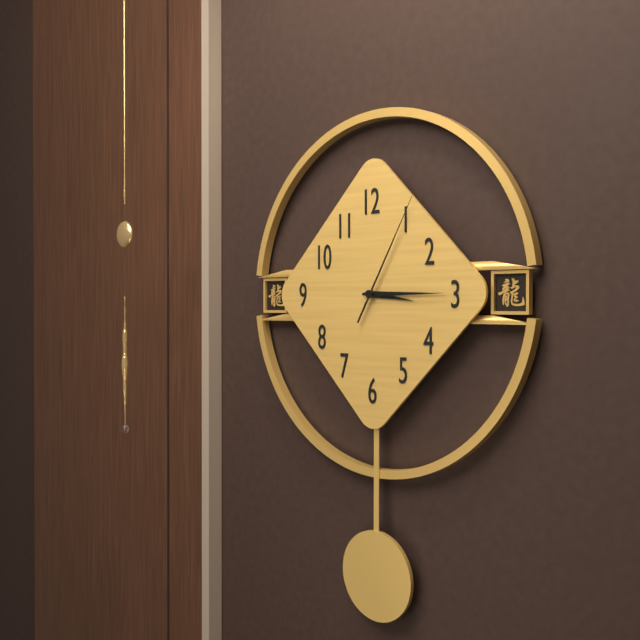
3:15:05
